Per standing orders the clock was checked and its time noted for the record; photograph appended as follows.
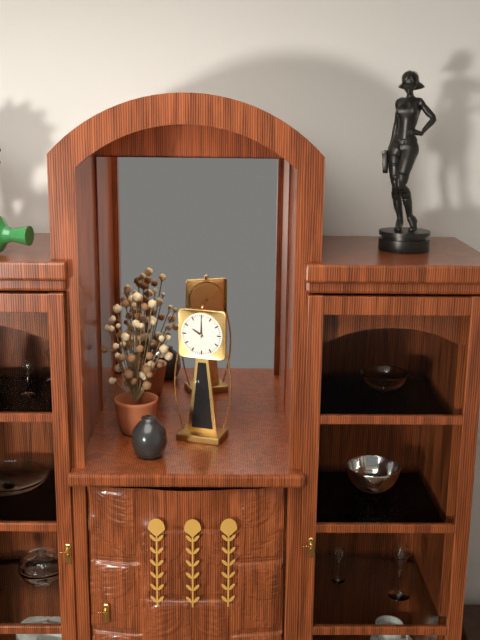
10:00
